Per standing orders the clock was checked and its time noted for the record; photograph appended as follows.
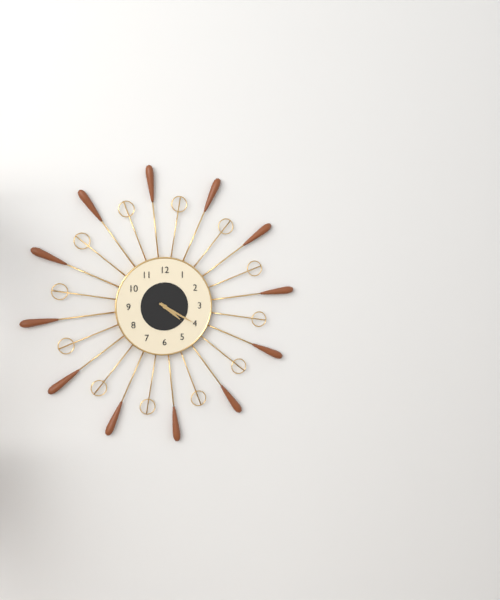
4:20
